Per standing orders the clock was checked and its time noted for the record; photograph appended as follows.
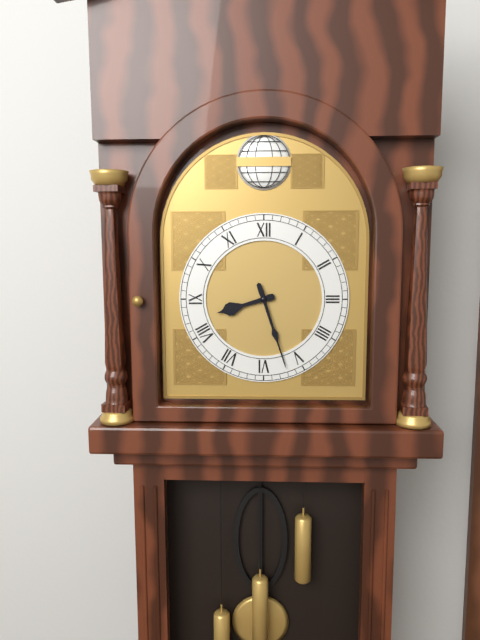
8:27
